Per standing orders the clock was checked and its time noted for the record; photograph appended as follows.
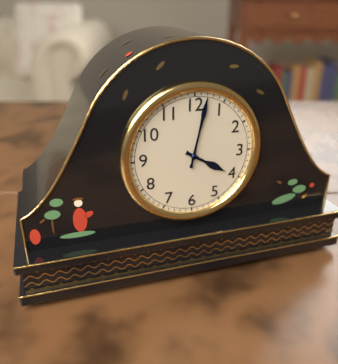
4:02
